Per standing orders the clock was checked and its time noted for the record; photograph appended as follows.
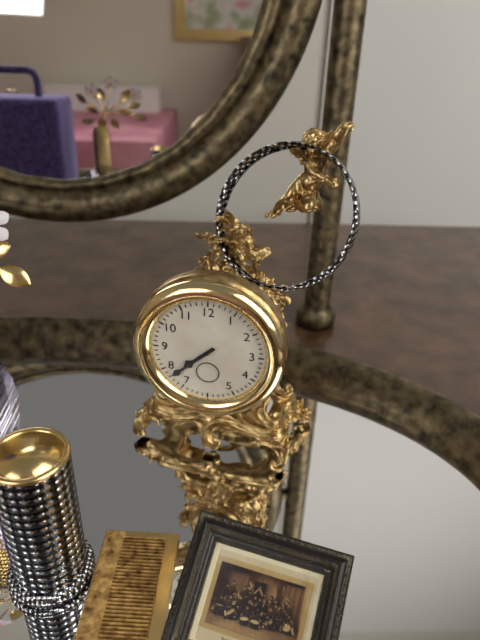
7:38
